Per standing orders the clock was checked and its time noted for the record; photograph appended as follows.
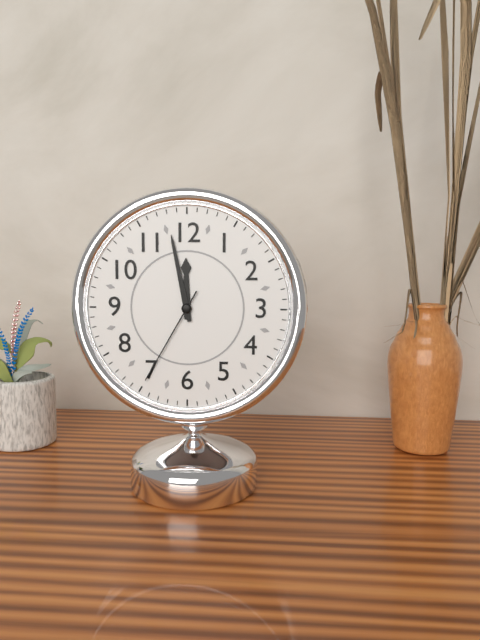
11:58:35
